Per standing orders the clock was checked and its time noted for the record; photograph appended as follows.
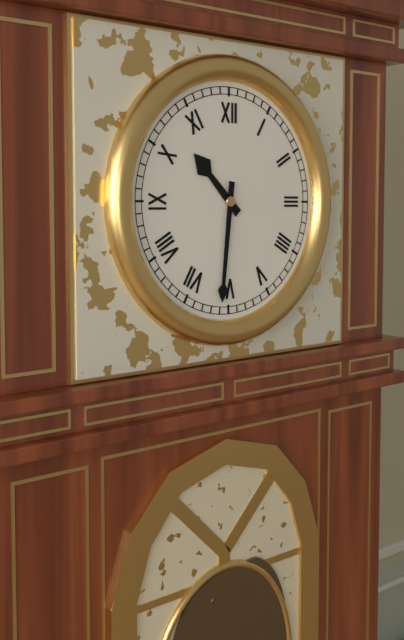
10:31
